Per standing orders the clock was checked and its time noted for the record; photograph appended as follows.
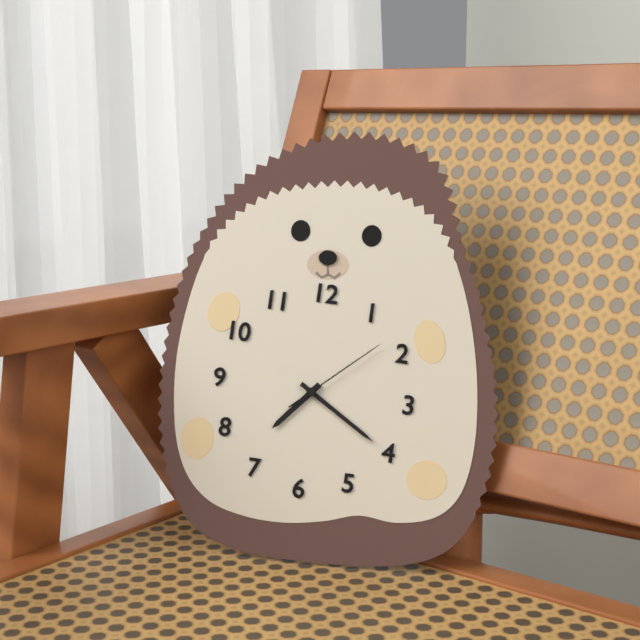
7:20:08
